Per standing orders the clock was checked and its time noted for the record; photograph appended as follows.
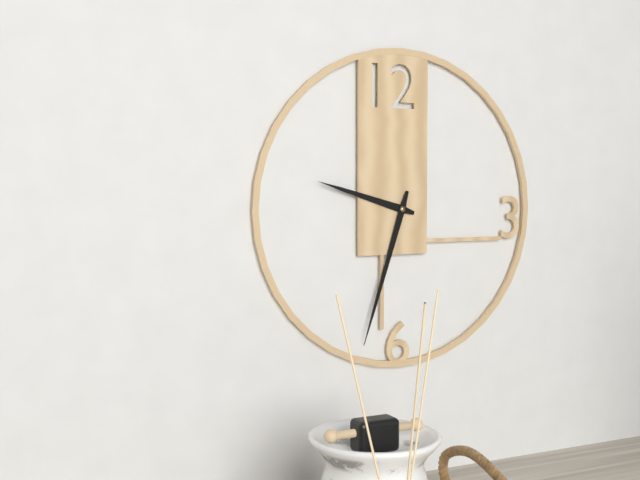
9:33
